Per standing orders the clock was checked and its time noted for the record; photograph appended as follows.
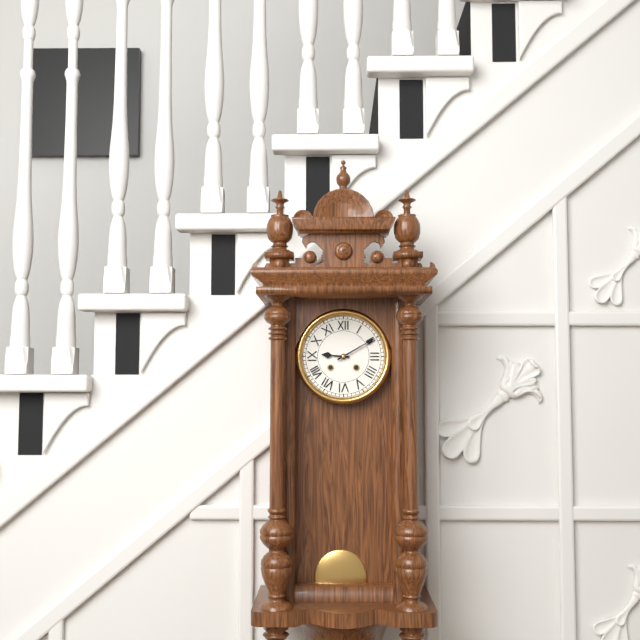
9:10
